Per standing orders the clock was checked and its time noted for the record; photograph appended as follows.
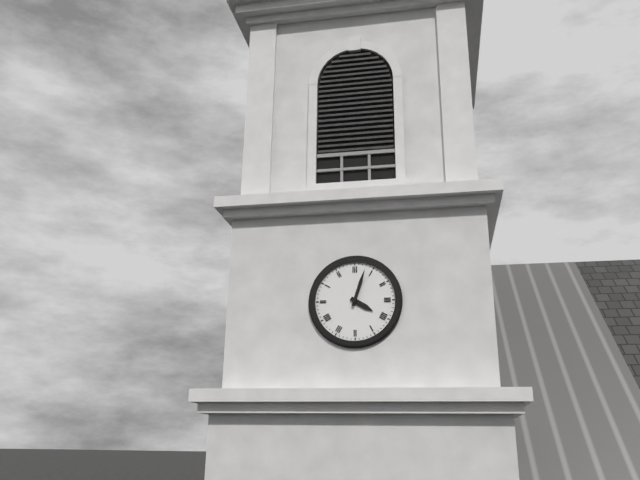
4:03
